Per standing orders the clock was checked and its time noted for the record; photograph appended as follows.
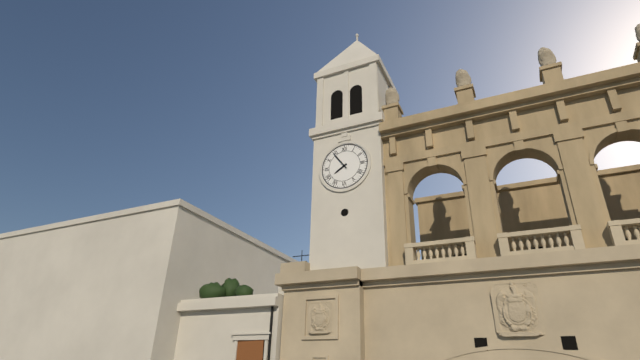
7:54
